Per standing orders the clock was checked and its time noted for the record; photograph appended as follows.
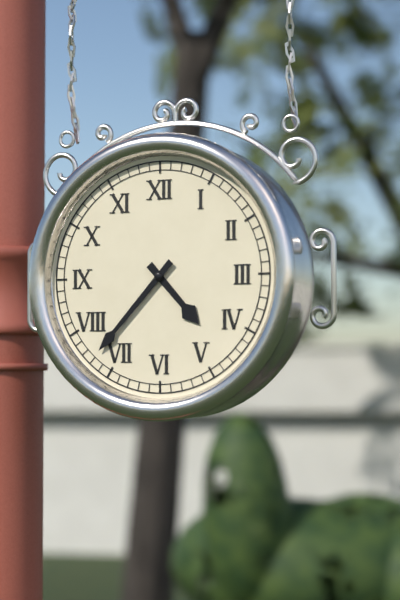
4:37
